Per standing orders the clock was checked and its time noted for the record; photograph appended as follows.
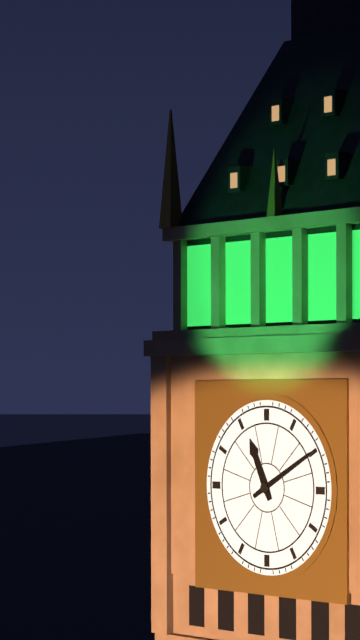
11:10
